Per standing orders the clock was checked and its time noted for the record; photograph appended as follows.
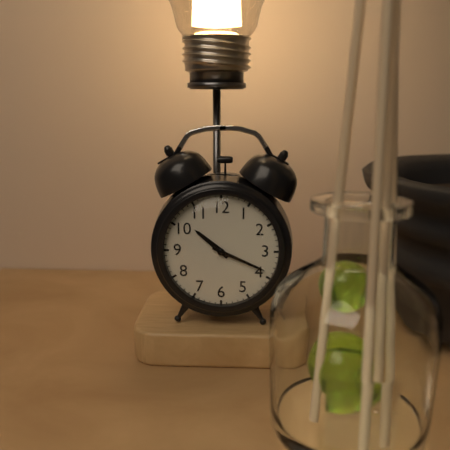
10:19
